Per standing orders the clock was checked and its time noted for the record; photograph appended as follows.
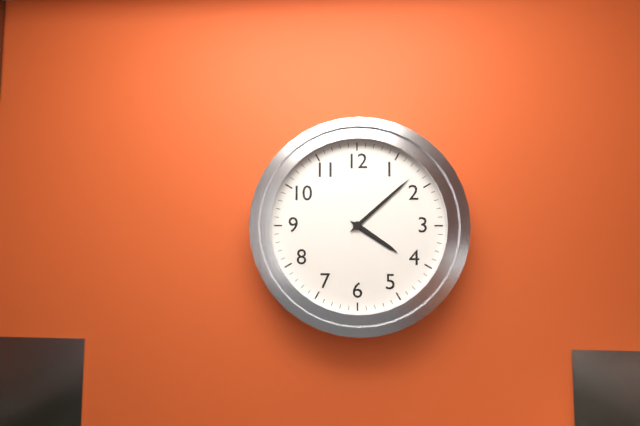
4:08
